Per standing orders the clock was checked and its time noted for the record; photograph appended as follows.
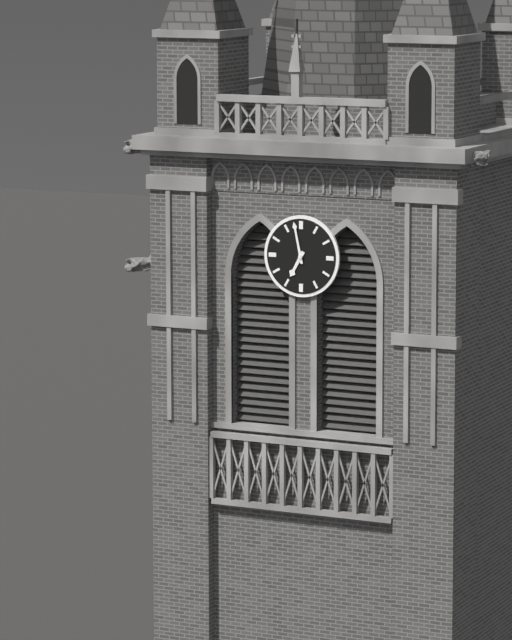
6:58
